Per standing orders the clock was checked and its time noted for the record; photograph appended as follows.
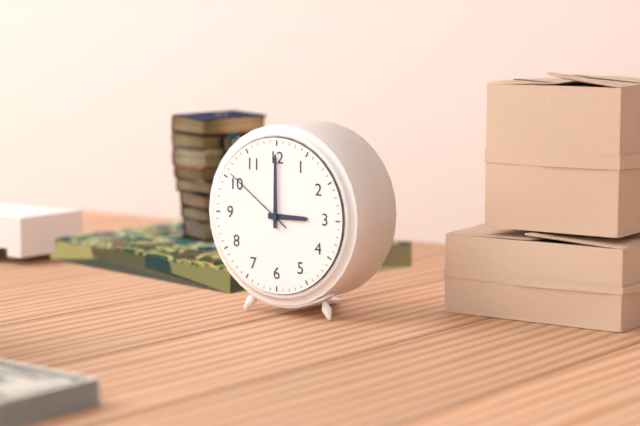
3:00:51
